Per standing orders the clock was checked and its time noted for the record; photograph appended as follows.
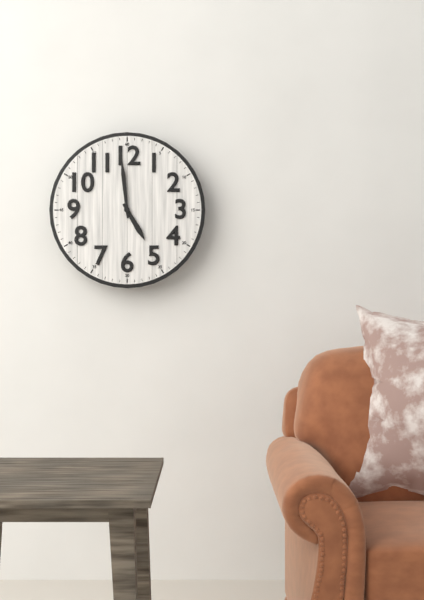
4:59
